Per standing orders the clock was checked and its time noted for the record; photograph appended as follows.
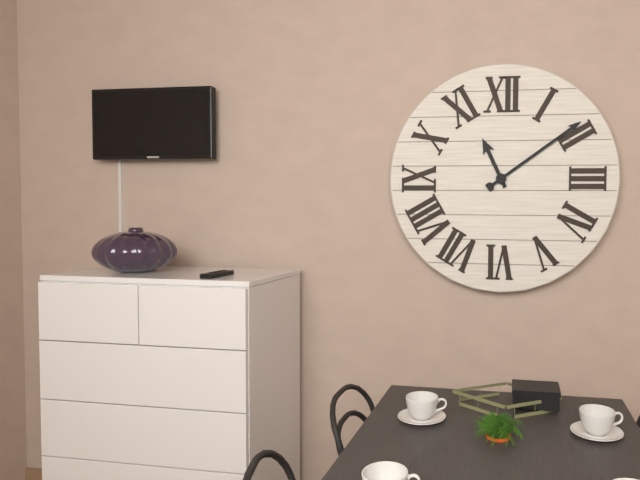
11:09
